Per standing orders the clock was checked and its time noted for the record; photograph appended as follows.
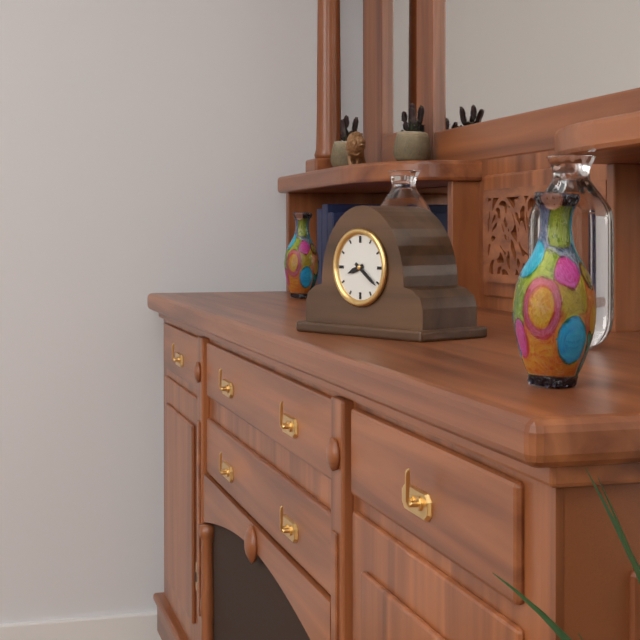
8:21
